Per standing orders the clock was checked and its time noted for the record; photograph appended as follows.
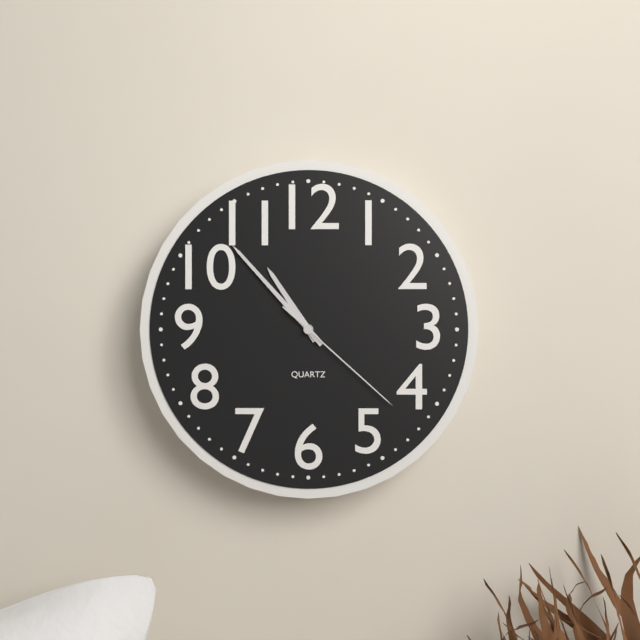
10:53:22
